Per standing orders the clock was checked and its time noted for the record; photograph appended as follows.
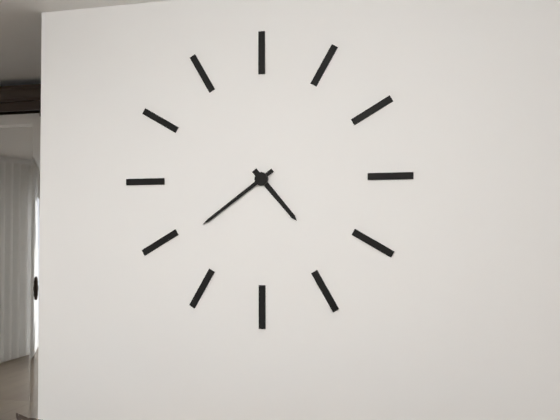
4:39
